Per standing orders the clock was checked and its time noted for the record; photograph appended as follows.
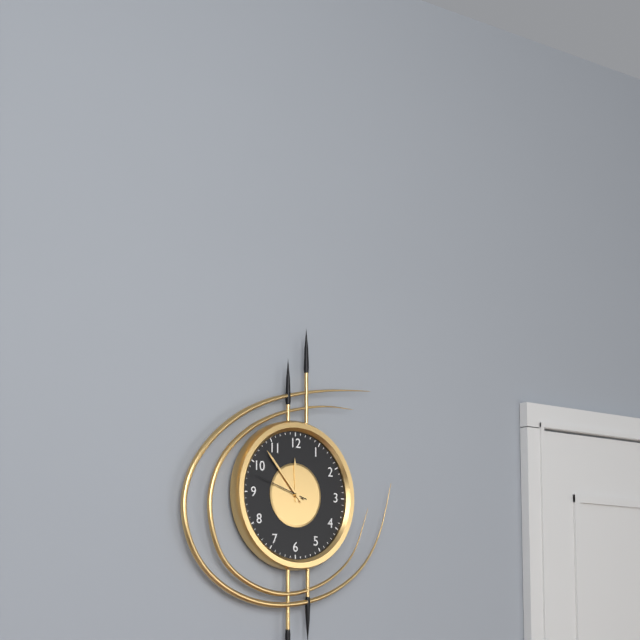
11:53:48
